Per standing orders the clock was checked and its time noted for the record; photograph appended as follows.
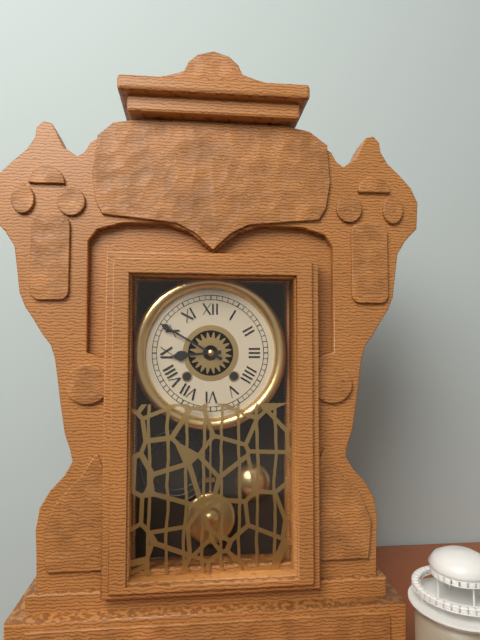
8:50
